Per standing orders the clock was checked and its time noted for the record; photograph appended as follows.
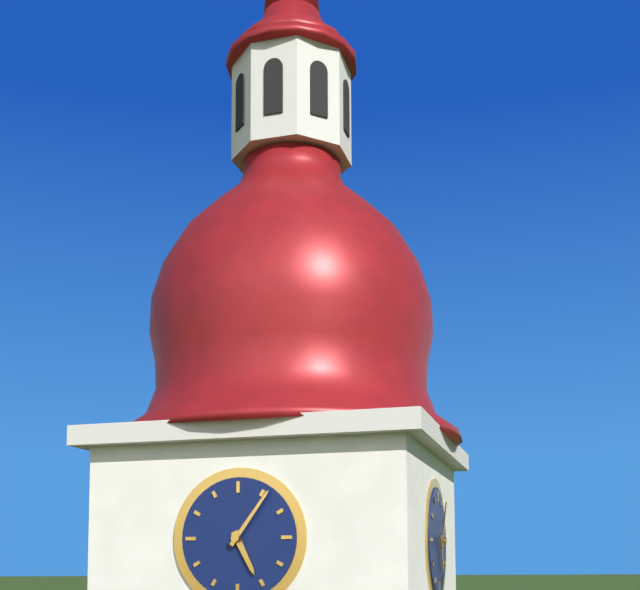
5:06
